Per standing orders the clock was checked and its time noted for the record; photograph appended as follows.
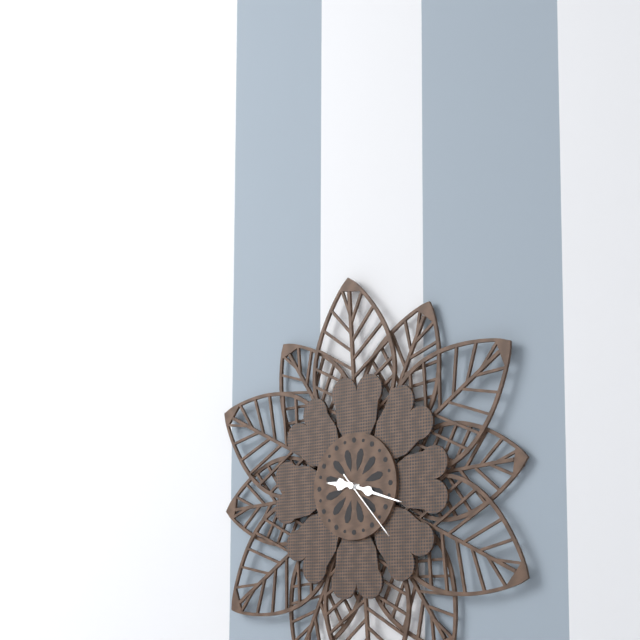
9:18:23
